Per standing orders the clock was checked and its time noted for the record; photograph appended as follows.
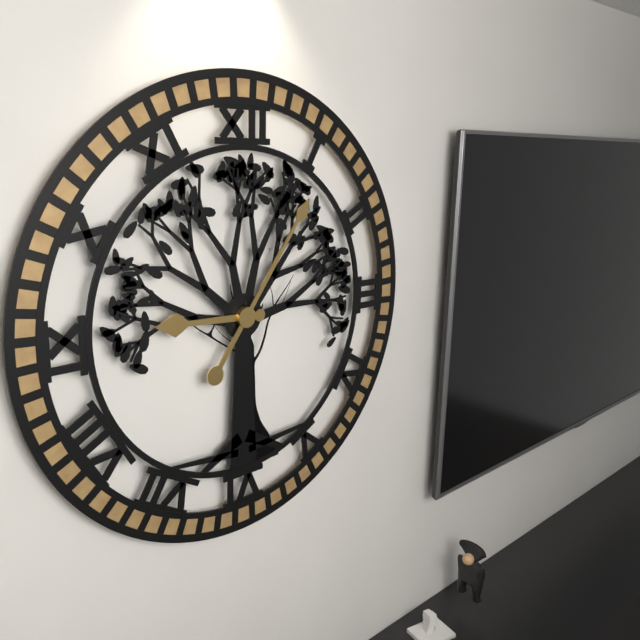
9:06
